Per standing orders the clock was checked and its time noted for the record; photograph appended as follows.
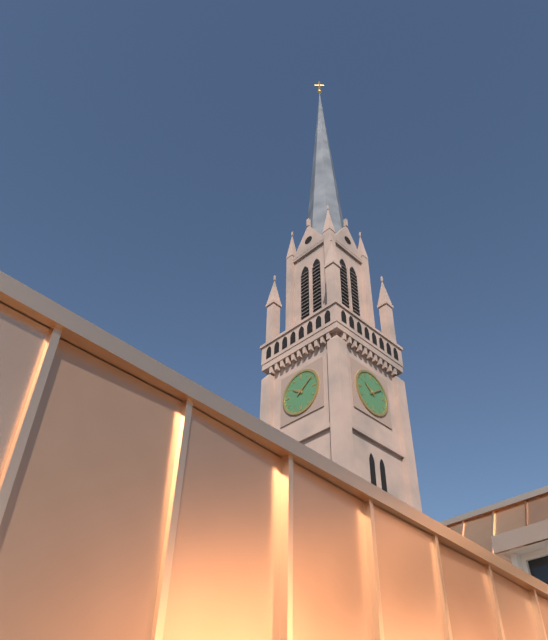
10:09
